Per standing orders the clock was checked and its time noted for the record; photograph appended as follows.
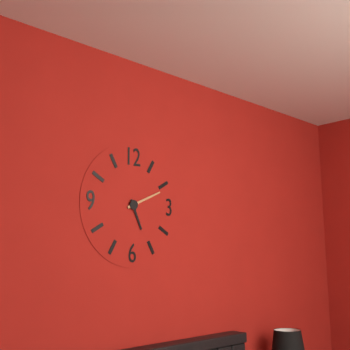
5:11
